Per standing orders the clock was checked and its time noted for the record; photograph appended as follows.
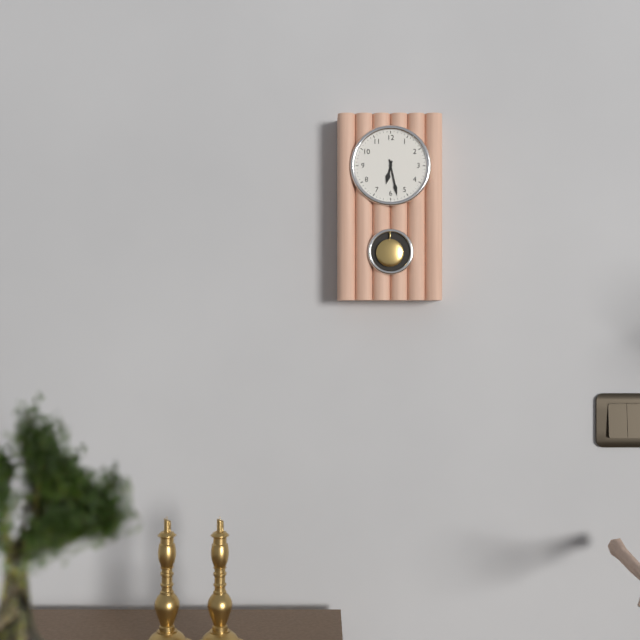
6:28
